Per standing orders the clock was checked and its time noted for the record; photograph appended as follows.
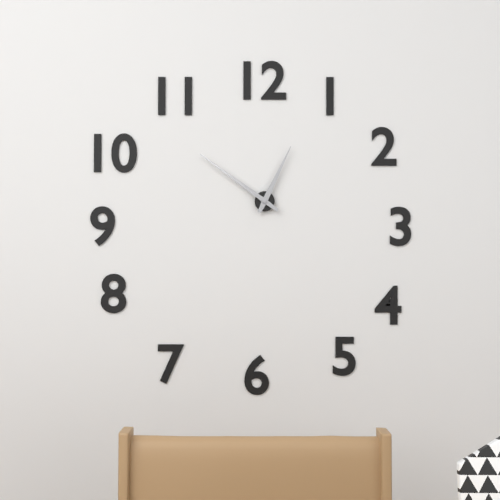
12:51
